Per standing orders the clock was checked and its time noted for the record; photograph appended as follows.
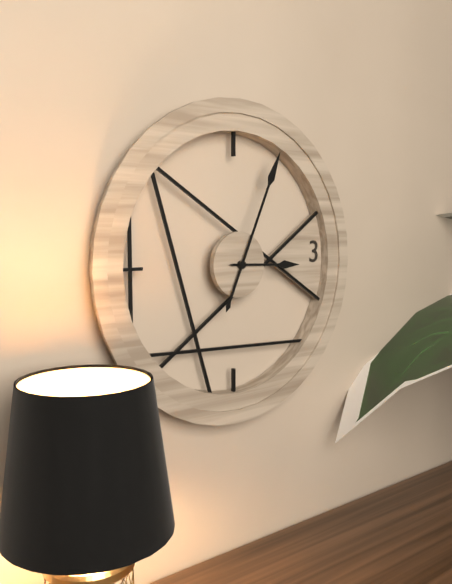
3:04
